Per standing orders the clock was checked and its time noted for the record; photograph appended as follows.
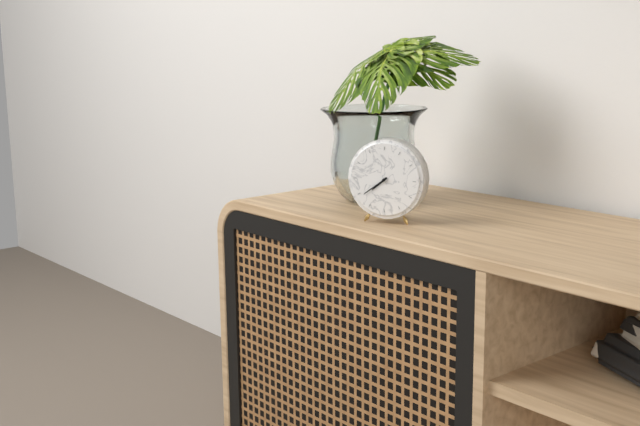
7:39
